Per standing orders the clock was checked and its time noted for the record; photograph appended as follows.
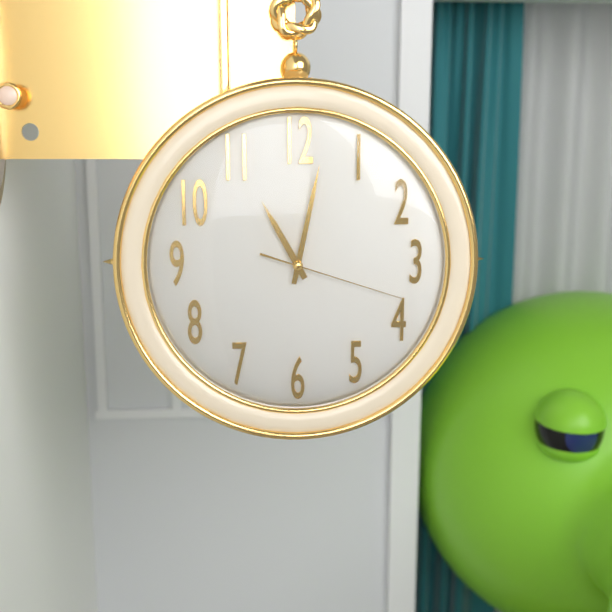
11:02:18
